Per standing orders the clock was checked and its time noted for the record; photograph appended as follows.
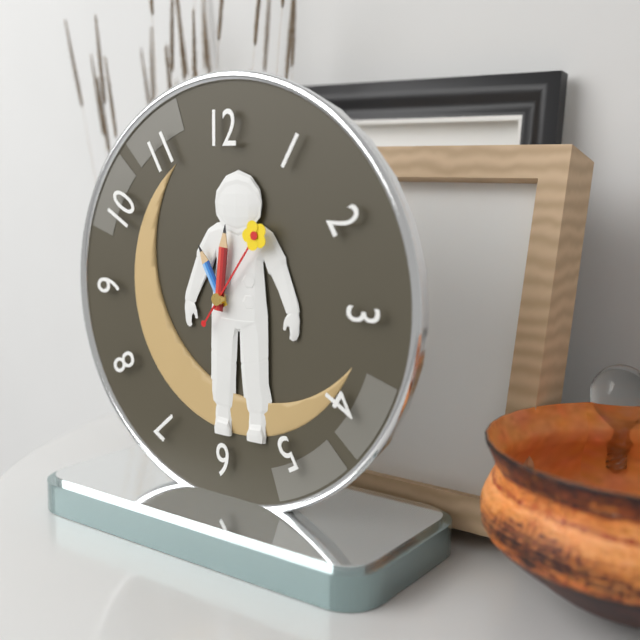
11:01:06
